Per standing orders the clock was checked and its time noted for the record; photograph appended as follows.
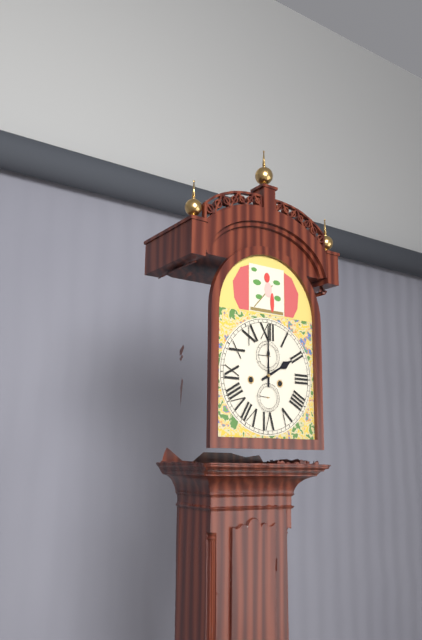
2:00
